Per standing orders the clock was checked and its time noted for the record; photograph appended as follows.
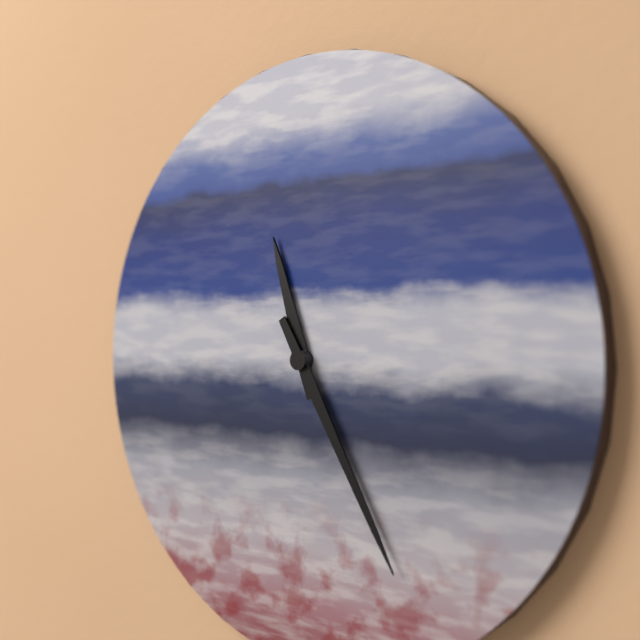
11:25
